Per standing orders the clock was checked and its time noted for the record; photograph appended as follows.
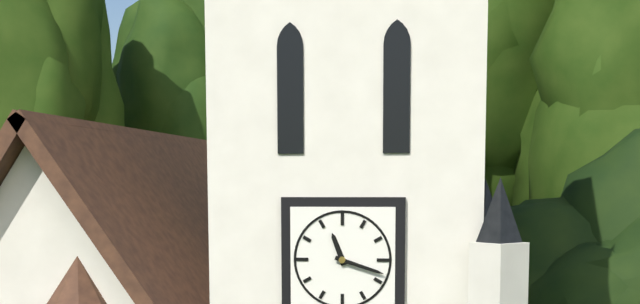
11:18
